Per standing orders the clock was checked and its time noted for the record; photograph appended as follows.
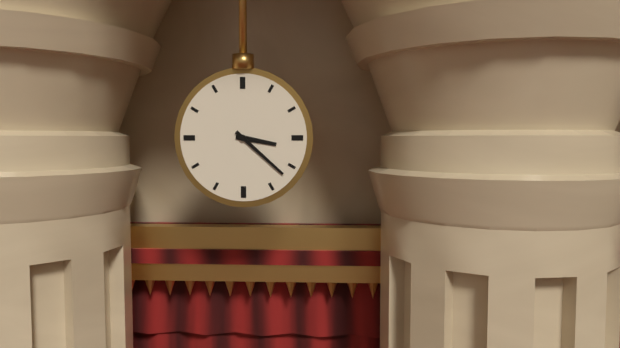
3:22
